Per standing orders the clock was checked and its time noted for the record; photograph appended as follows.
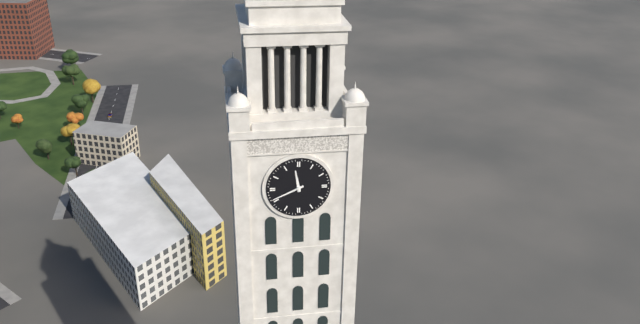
11:41
